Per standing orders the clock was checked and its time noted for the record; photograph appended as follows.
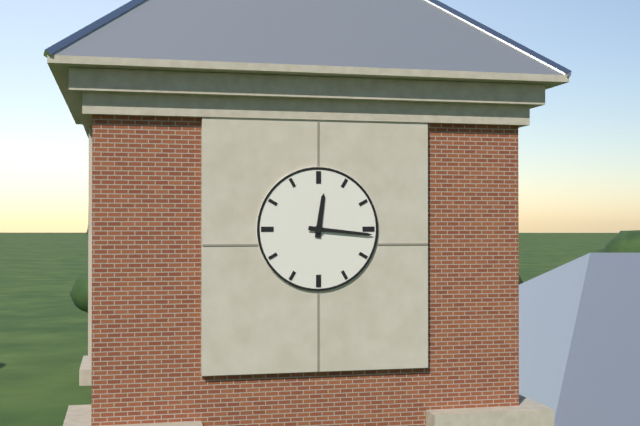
12:16
